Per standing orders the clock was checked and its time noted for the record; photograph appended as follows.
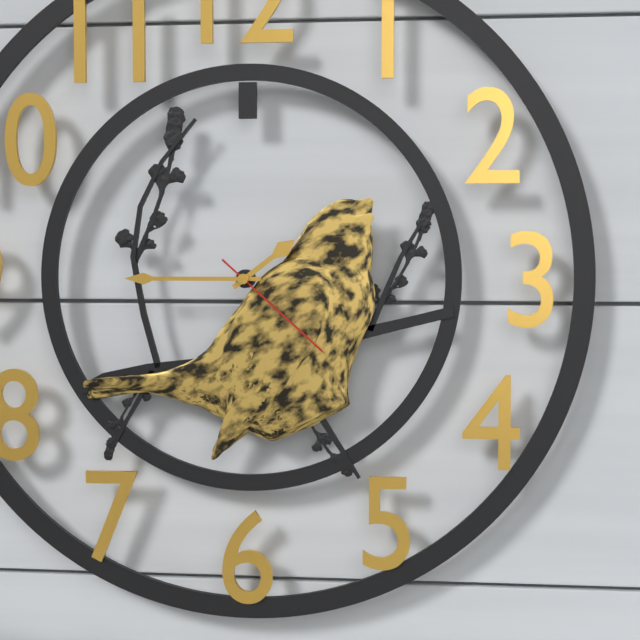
1:45:22
